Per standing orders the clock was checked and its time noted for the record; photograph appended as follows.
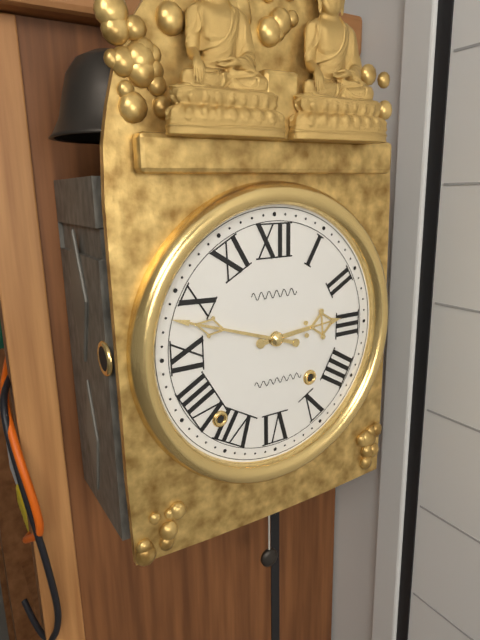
2:48
